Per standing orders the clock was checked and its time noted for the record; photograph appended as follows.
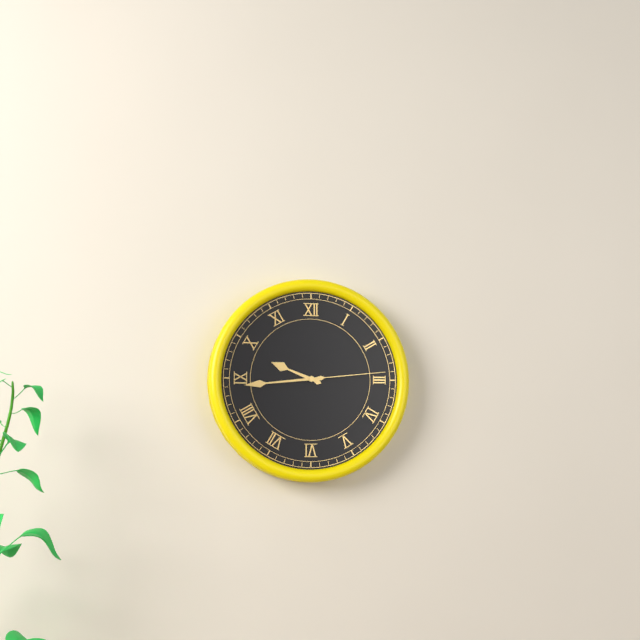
9:44:14
